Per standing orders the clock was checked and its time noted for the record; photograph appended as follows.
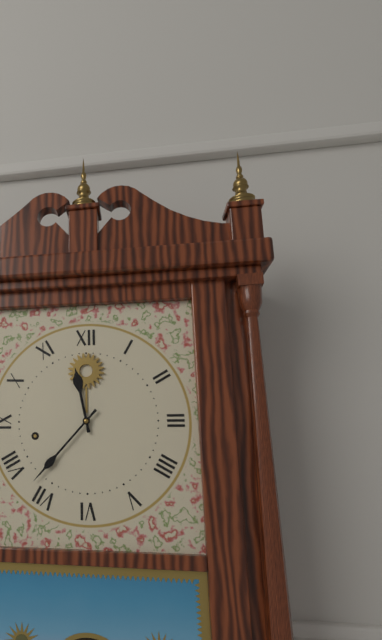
11:37
